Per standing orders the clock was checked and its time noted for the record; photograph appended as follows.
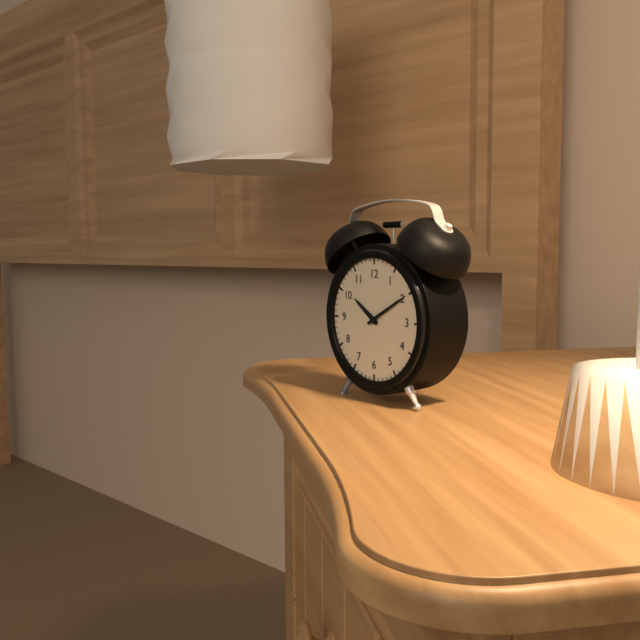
10:10
